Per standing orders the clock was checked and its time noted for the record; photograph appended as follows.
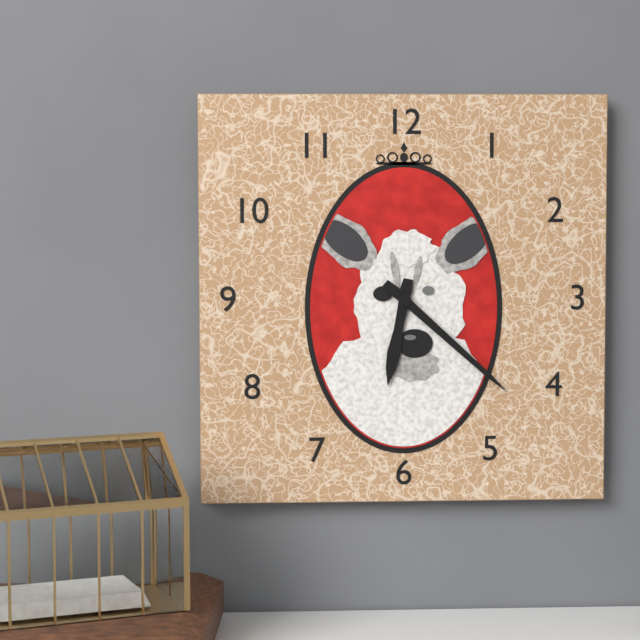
6:22
